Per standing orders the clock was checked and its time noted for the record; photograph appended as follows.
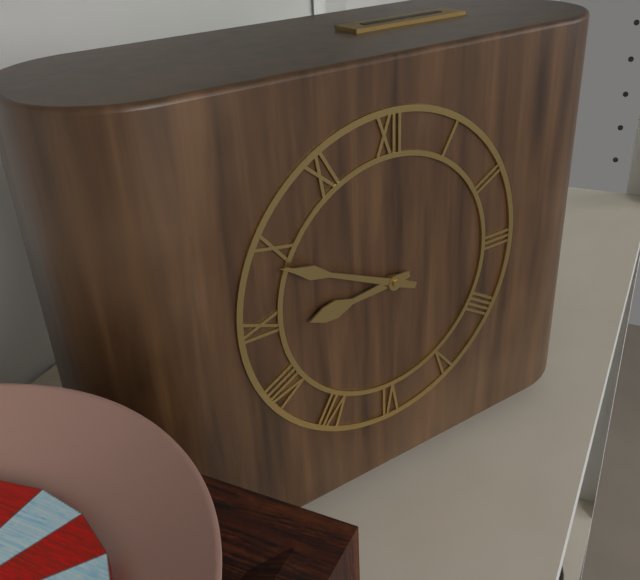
8:49
